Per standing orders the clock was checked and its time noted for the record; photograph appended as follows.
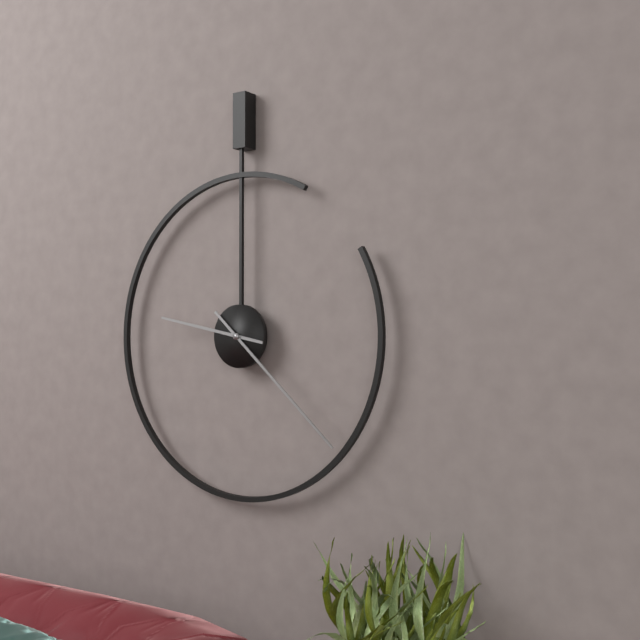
9:22
